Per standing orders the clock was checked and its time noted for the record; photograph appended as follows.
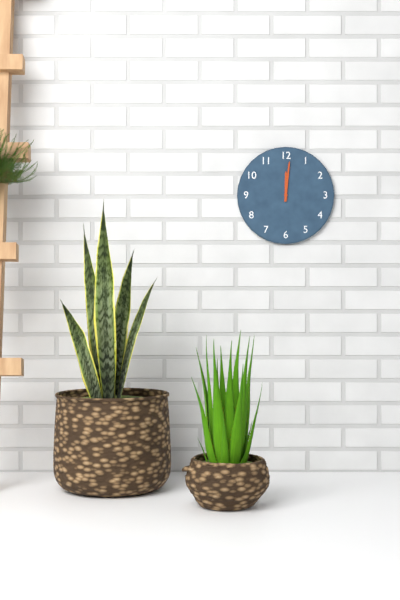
12:01
